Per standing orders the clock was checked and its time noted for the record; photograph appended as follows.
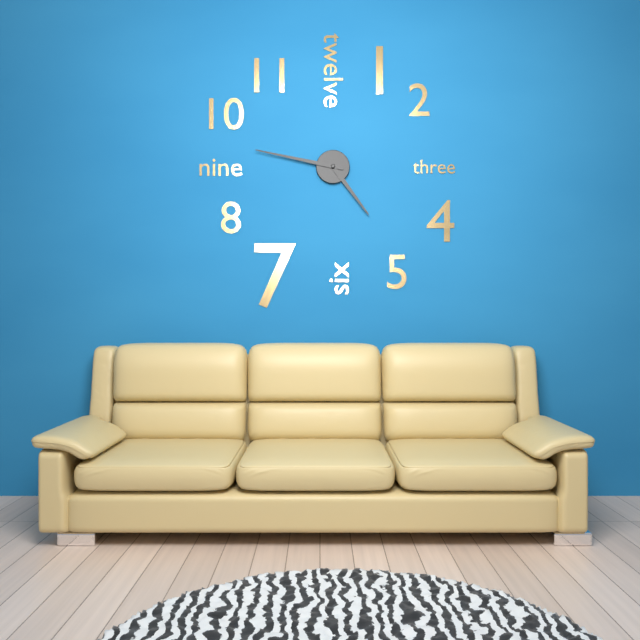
4:47
